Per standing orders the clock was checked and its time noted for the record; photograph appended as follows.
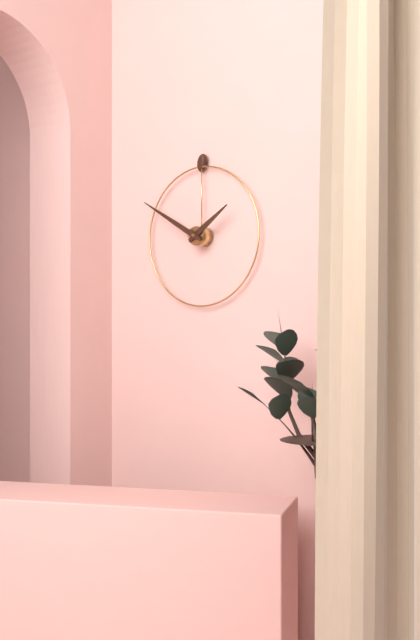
1:50
